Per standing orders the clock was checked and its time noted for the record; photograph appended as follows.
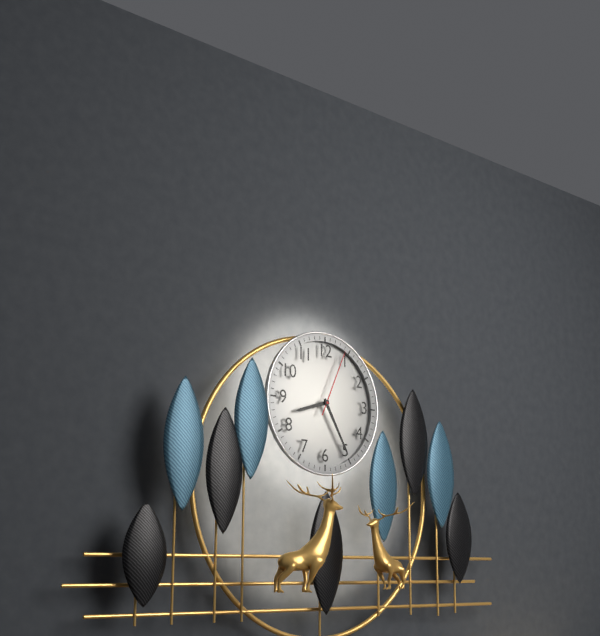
8:25:04
